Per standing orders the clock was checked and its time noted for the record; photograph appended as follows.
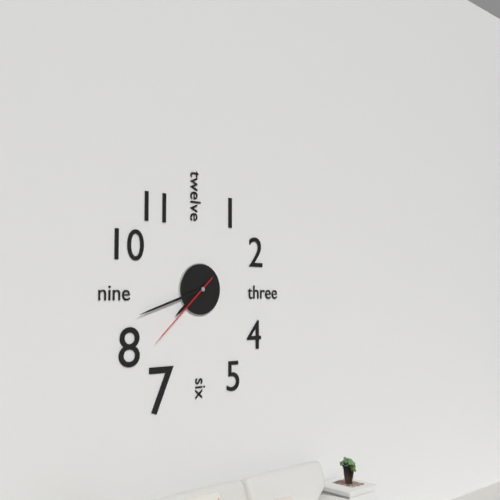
7:42:38
